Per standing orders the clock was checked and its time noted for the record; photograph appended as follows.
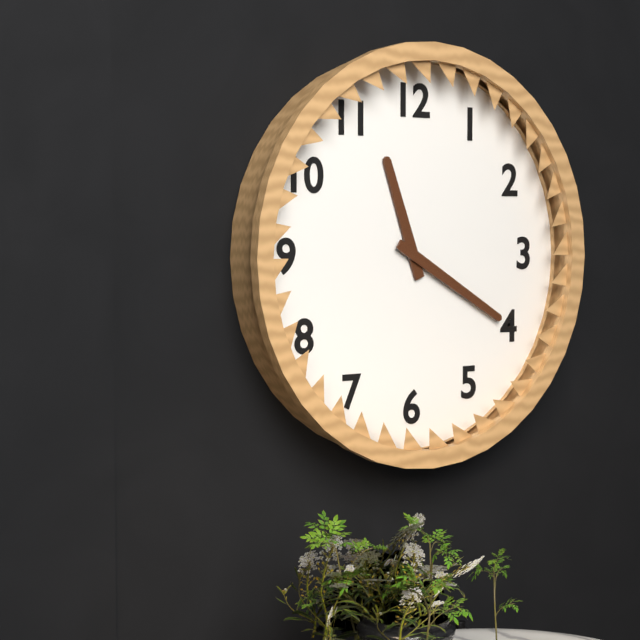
11:20
